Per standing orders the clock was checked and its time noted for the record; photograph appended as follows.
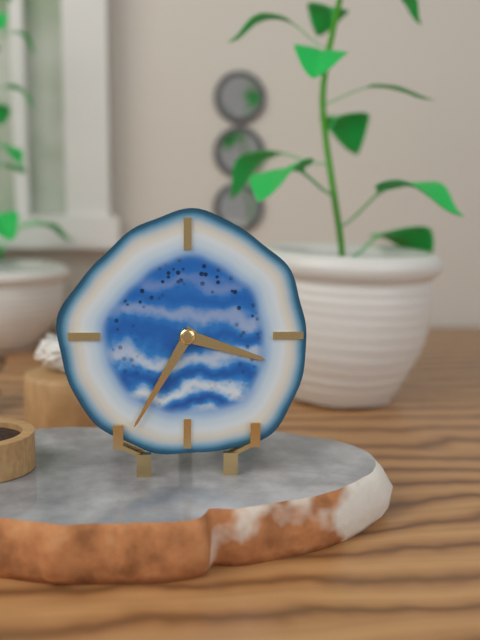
3:35
